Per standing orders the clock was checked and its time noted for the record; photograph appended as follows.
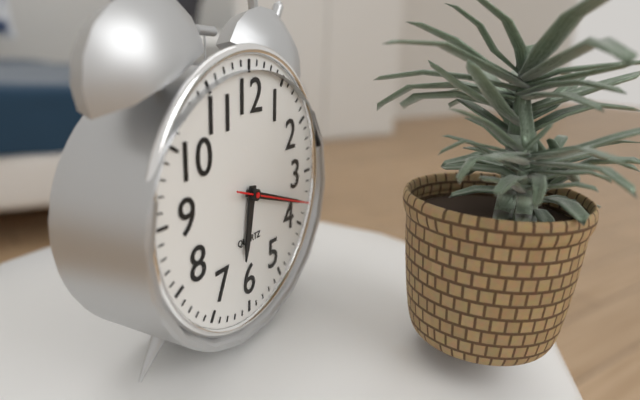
6:18:18
